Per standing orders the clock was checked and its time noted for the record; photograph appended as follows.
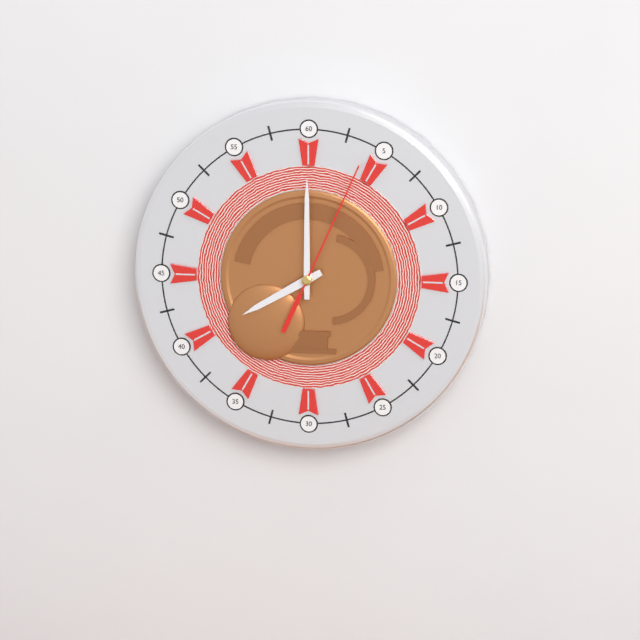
8:00:04
